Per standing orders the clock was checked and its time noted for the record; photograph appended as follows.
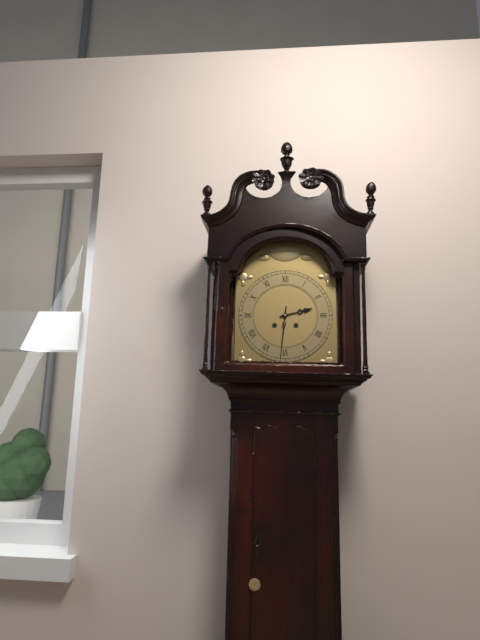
2:31
